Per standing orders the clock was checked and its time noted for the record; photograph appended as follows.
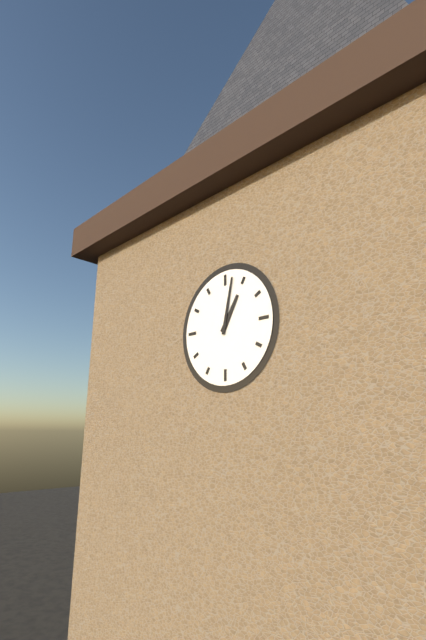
1:02
